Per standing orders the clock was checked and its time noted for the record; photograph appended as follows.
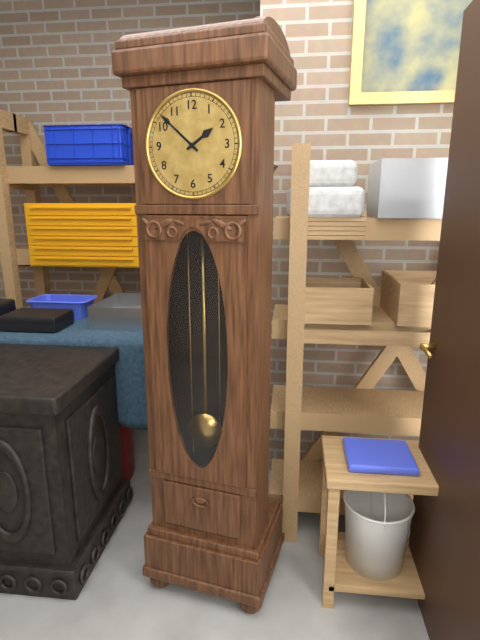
1:52
